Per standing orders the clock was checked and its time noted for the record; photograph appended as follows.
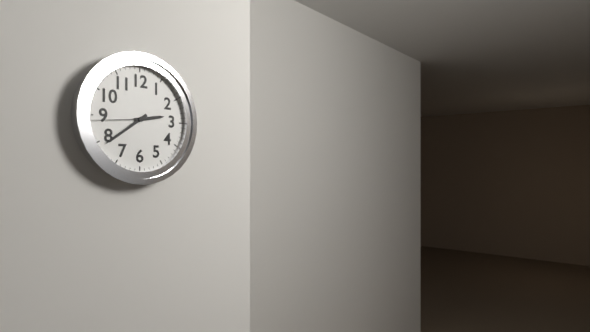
2:39:44
